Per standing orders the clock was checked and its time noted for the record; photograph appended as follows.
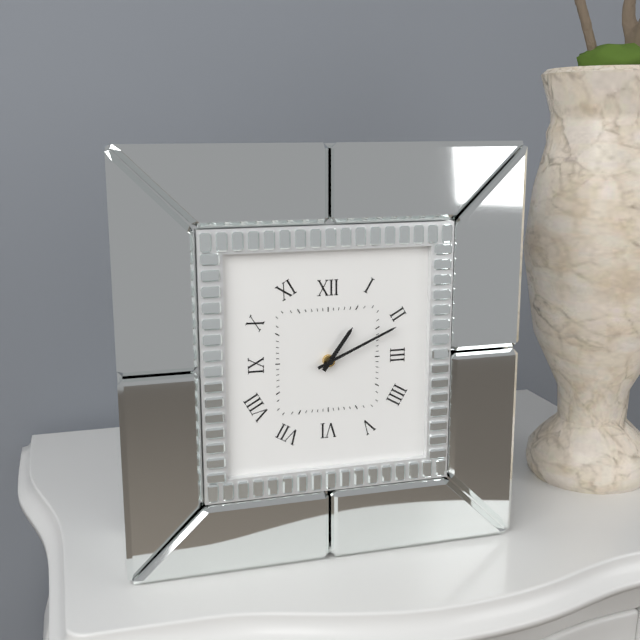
1:11
